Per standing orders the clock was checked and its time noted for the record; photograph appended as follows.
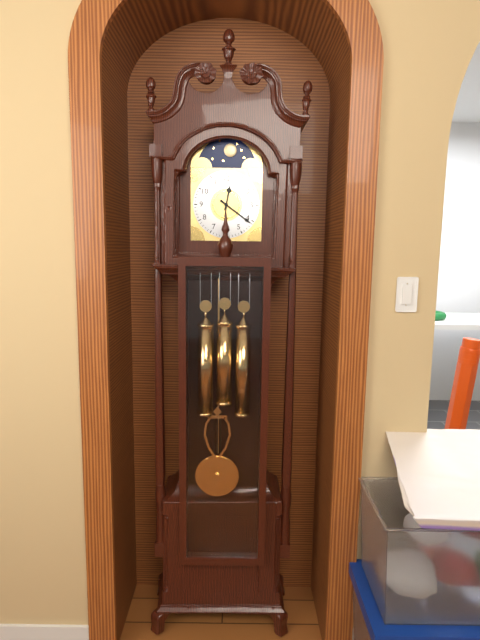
12:21
